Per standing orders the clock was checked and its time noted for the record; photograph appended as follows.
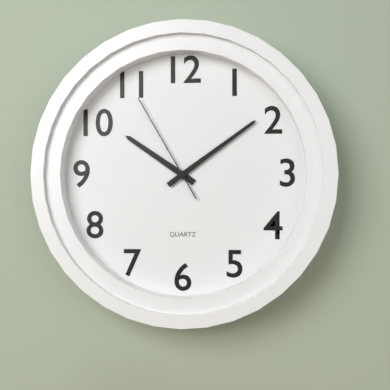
10:09:55
